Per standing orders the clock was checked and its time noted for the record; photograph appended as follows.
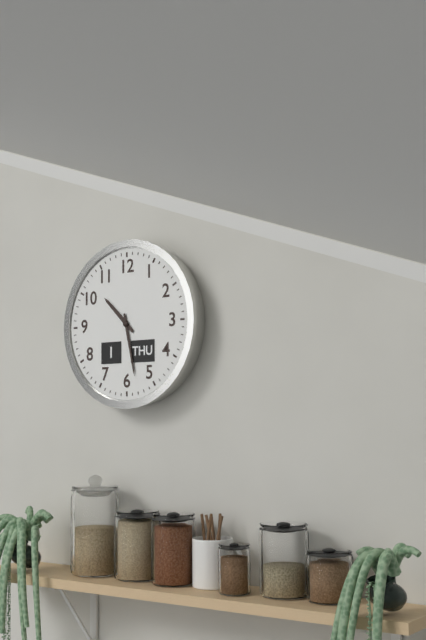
10:28
